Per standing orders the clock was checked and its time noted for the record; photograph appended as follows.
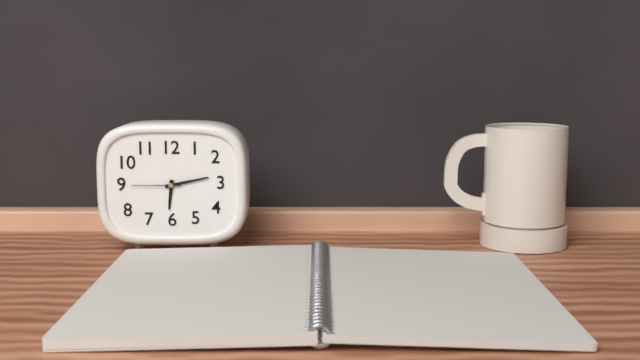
6:13:45
